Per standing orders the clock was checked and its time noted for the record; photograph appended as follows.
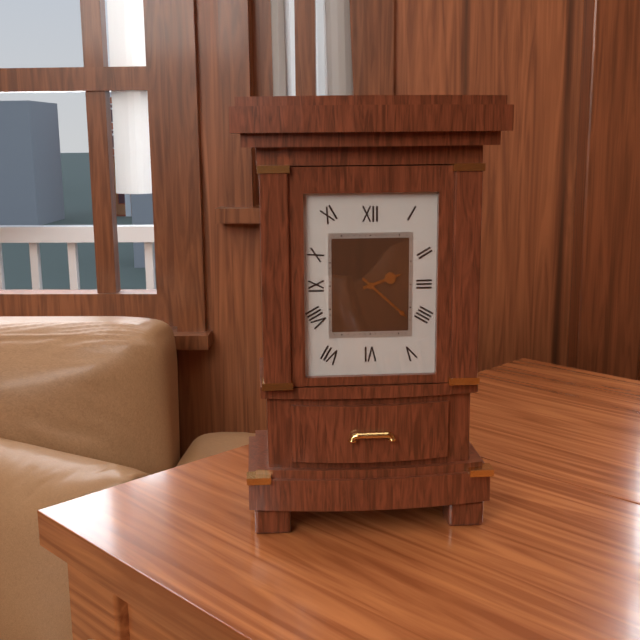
2:22
